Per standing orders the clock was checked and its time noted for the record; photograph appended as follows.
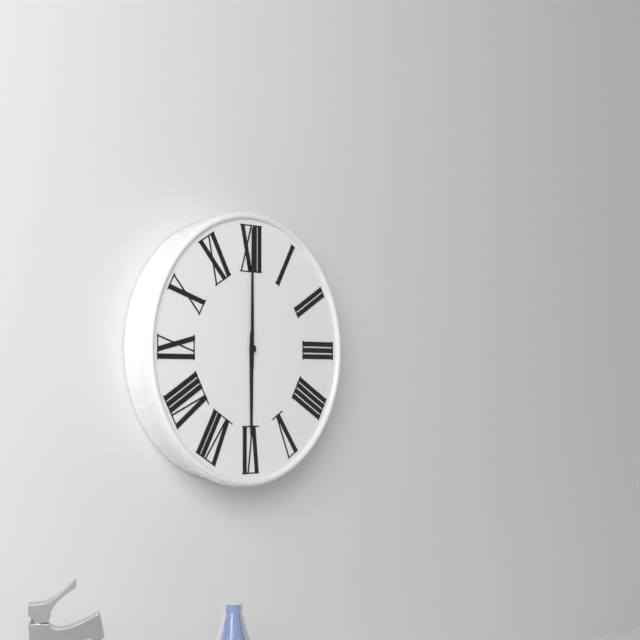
6:00
